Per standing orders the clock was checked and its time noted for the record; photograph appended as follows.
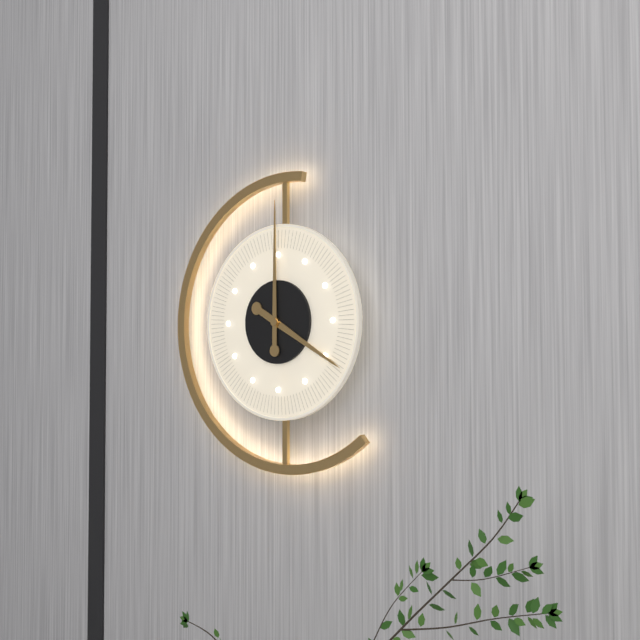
4:00
